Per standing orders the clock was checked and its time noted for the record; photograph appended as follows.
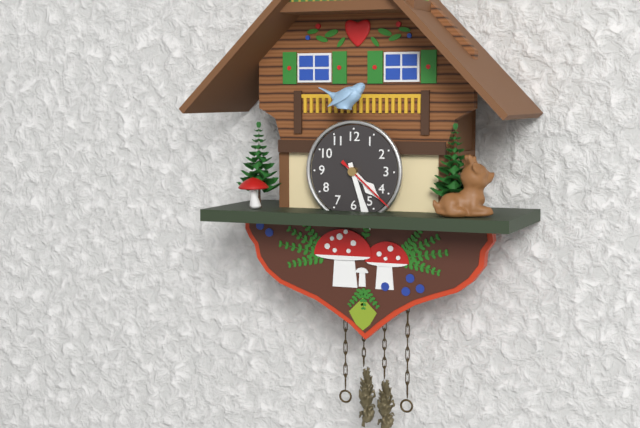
4:27:22
